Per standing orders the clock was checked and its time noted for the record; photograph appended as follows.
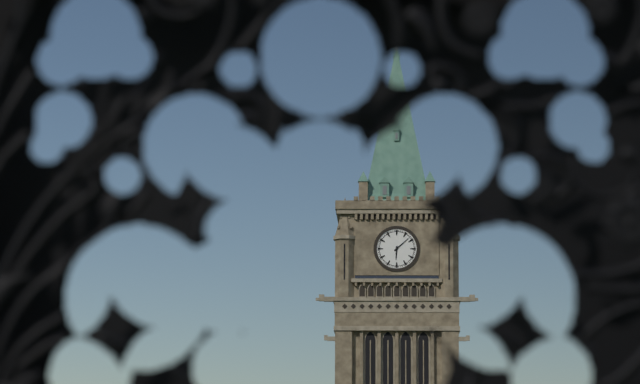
6:08
